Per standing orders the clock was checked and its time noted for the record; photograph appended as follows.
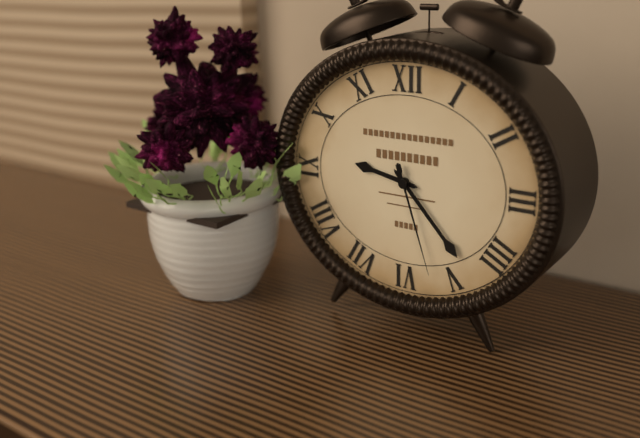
9:23:27
